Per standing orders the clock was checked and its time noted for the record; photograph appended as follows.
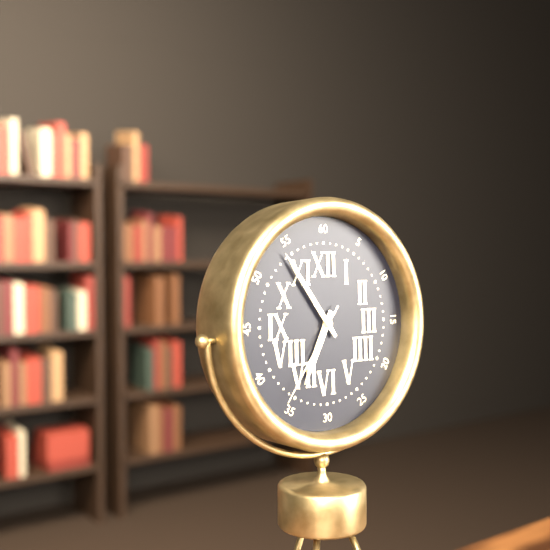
6:54:36
